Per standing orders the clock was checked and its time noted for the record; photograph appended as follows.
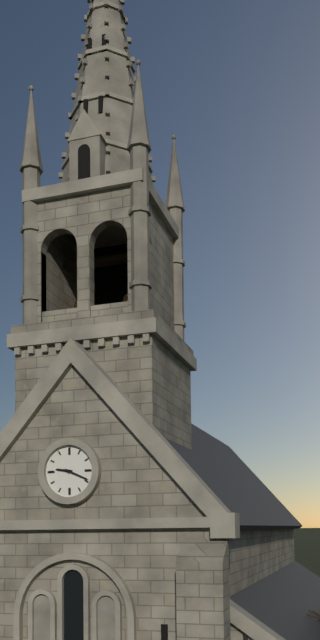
9:19
